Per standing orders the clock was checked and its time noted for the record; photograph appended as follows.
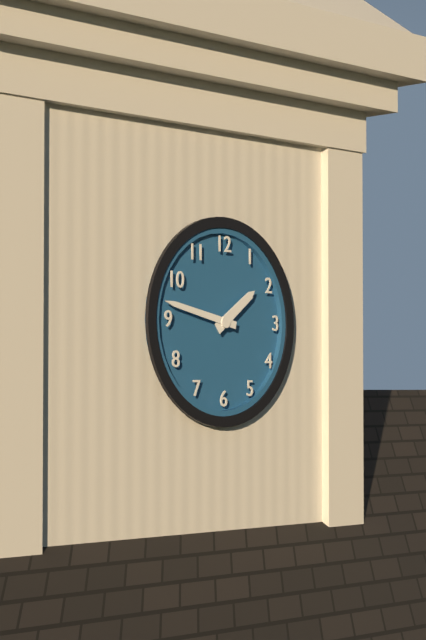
1:47
